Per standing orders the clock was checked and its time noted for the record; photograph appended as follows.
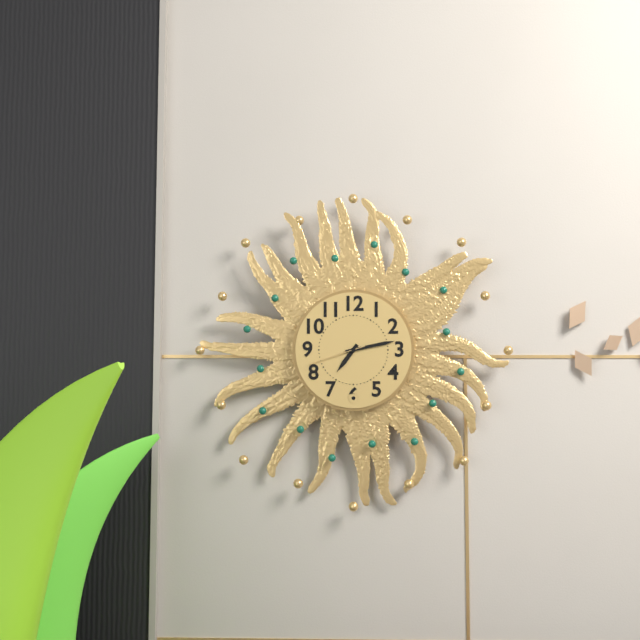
7:13:42
